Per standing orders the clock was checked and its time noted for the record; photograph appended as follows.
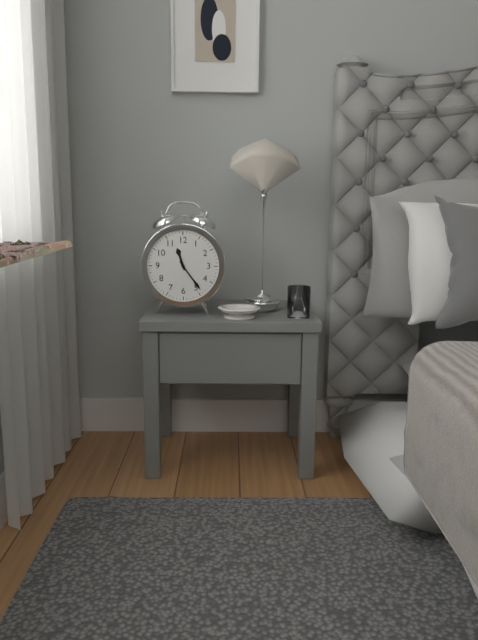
11:24
